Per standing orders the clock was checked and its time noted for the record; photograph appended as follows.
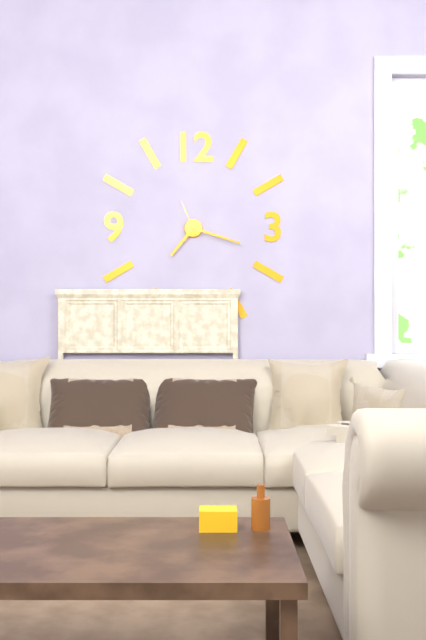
7:18
